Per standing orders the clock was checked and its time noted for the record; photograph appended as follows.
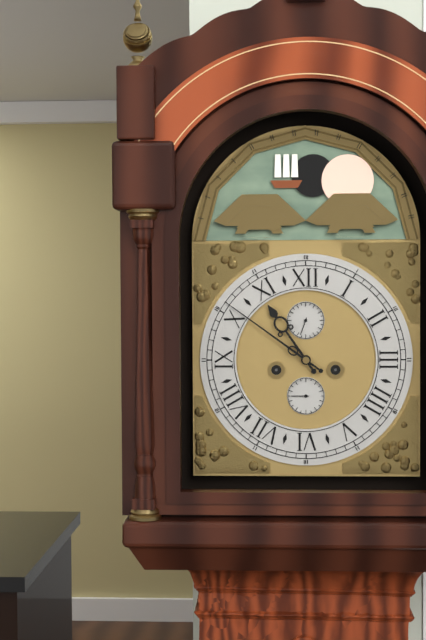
10:51
